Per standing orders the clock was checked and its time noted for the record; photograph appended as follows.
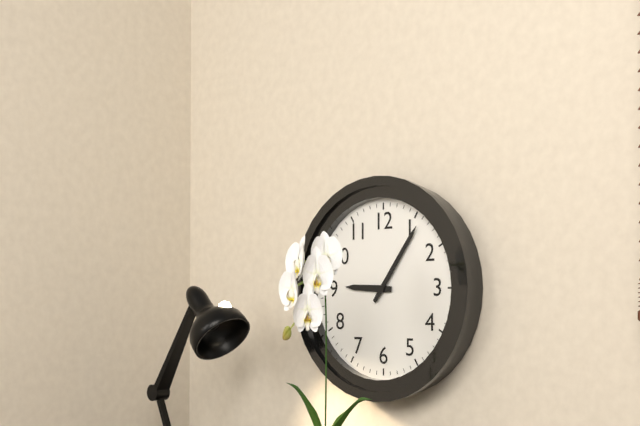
9:06
